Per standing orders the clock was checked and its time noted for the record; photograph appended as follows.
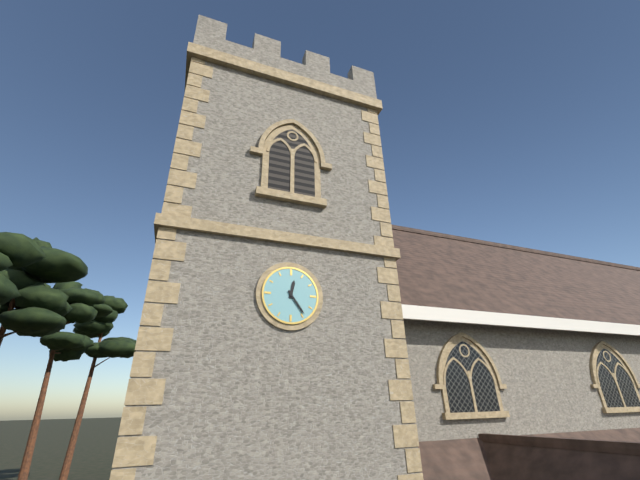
12:24
